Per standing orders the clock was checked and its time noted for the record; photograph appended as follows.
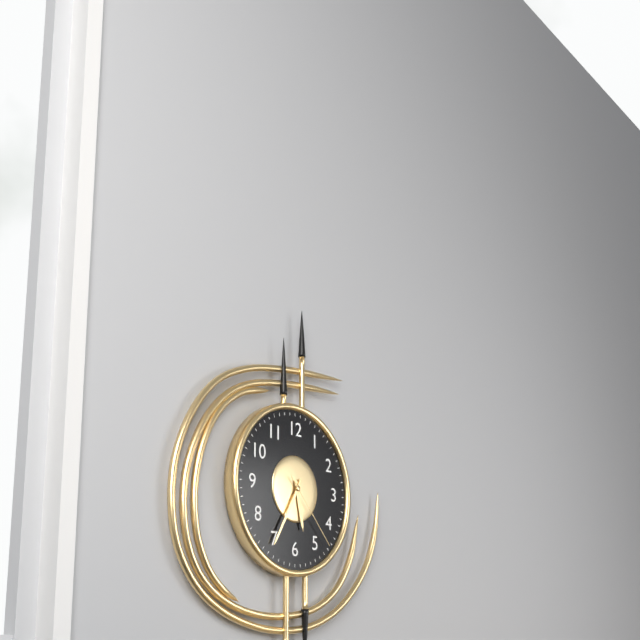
5:35:23
